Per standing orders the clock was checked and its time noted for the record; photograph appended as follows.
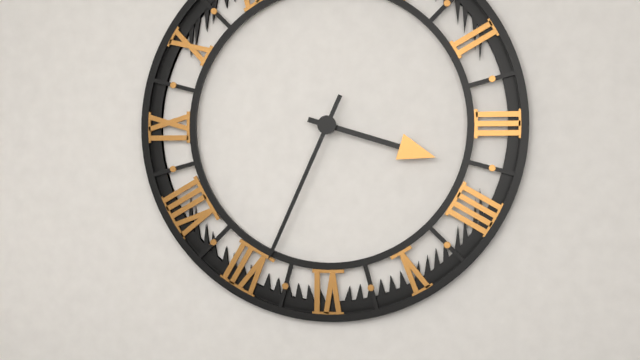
3:34
